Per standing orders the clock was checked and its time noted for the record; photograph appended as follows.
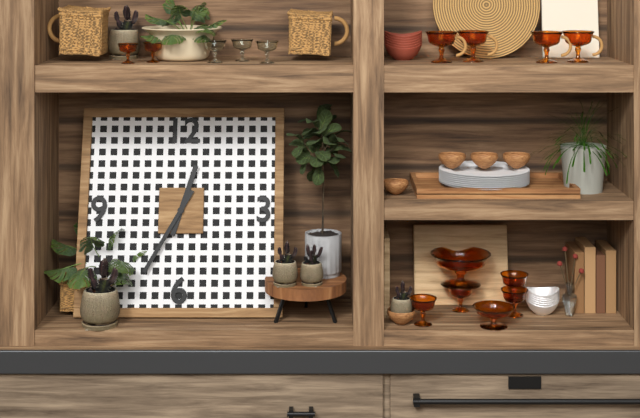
12:35
